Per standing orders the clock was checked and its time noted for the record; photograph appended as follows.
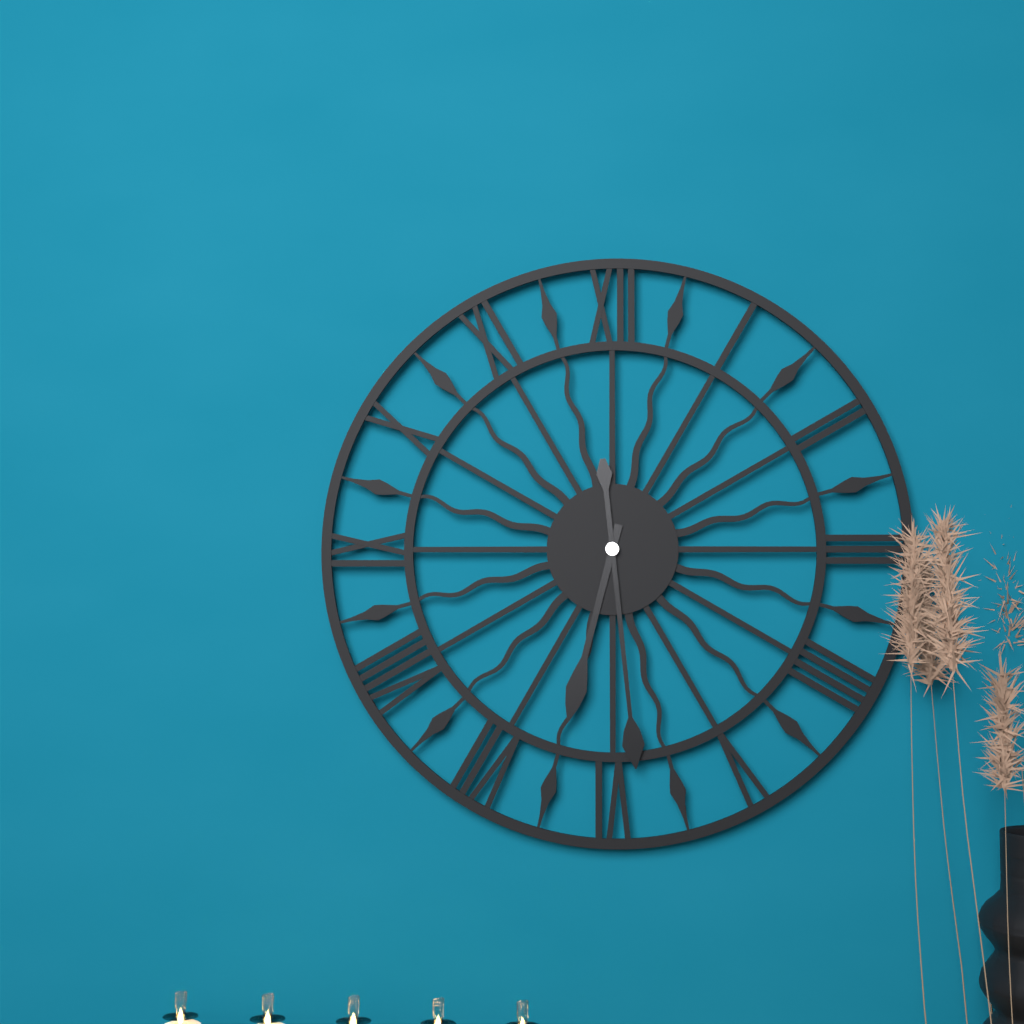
6:29
